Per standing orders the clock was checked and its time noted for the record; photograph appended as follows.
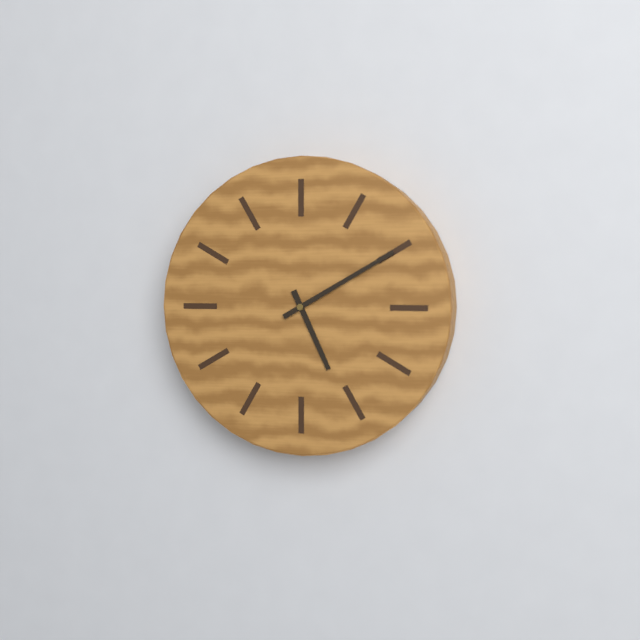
5:10
